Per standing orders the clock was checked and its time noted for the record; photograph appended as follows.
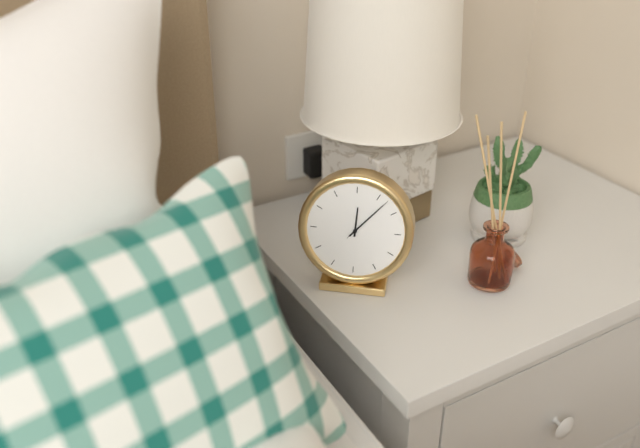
12:07:07
